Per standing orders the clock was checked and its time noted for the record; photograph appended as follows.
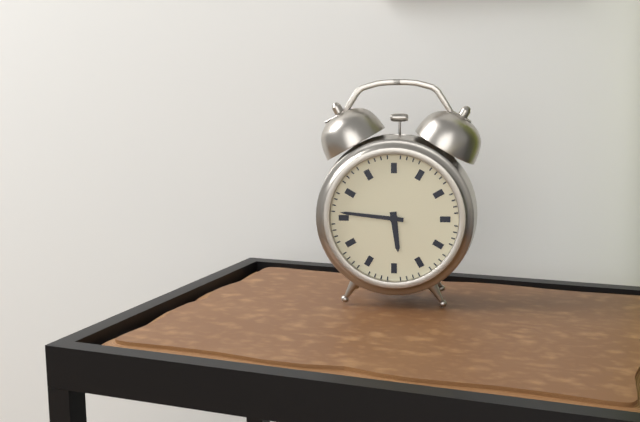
5:46
